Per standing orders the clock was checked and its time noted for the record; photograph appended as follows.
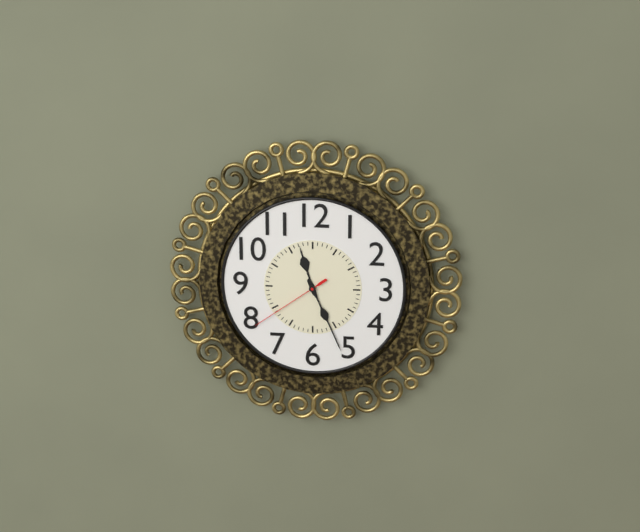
11:26:39
